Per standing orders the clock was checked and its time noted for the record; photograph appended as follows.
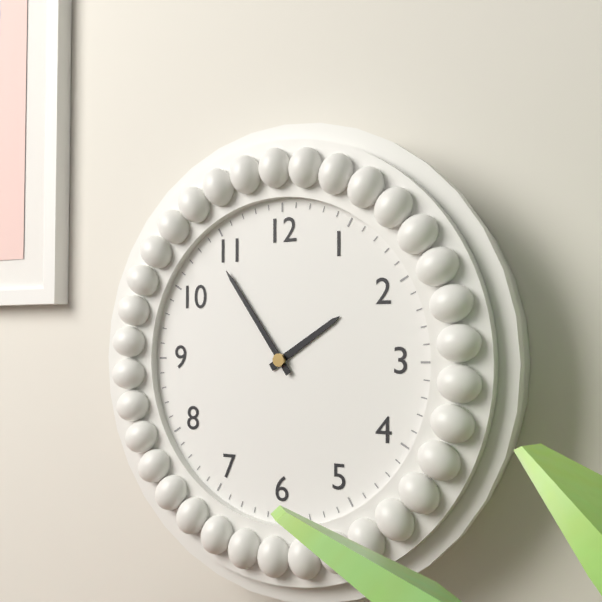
1:54
